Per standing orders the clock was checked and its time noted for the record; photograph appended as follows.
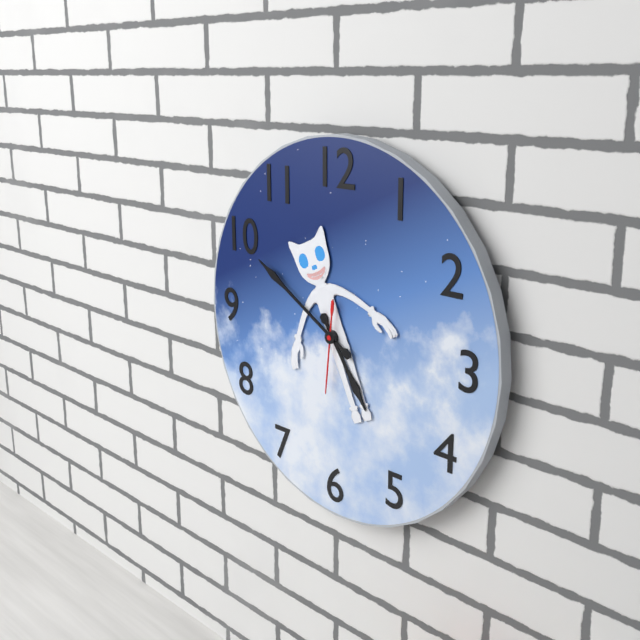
4:50:31
